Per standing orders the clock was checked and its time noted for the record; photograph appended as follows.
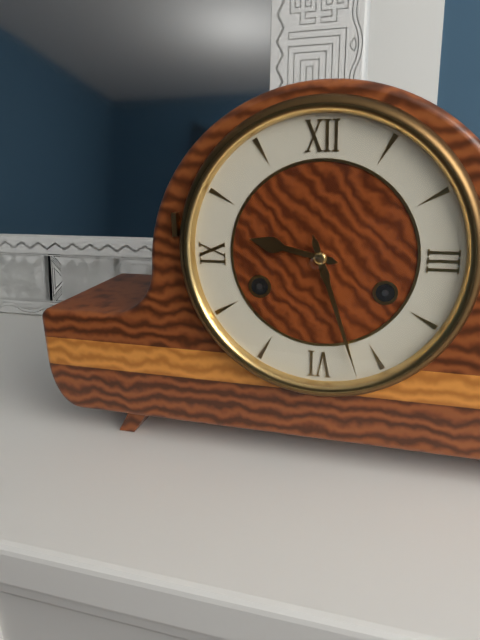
9:27
